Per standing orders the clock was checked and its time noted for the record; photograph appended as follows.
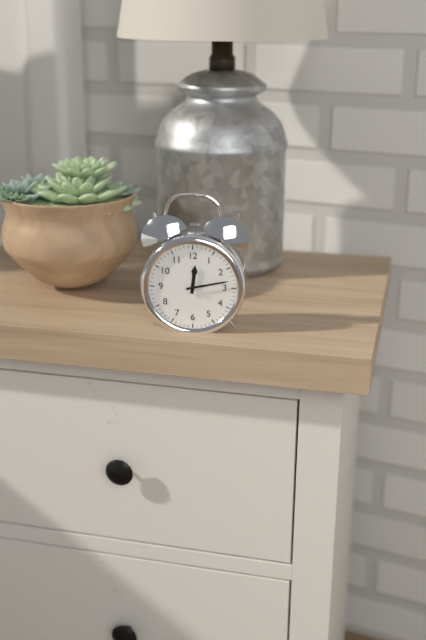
12:13
